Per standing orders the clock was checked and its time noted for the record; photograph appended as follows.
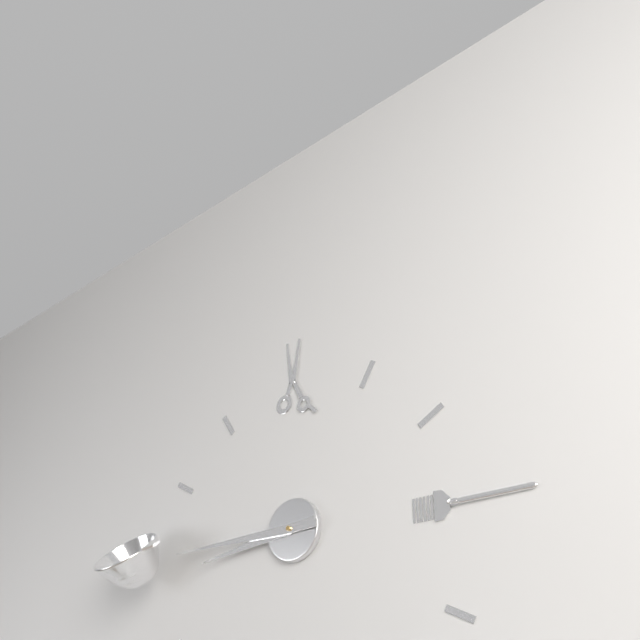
8:45
